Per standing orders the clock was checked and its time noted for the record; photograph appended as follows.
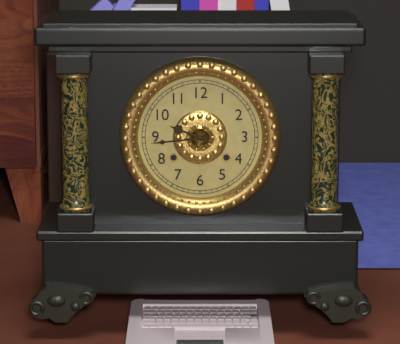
9:44
